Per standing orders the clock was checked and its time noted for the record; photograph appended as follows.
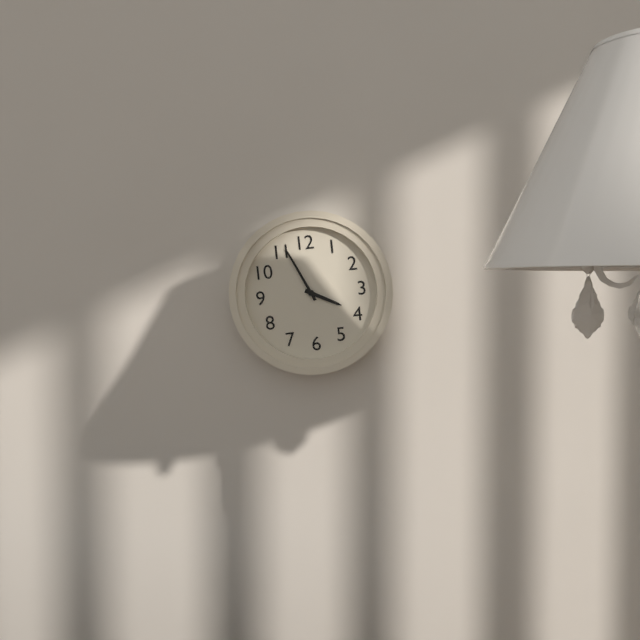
3:56
